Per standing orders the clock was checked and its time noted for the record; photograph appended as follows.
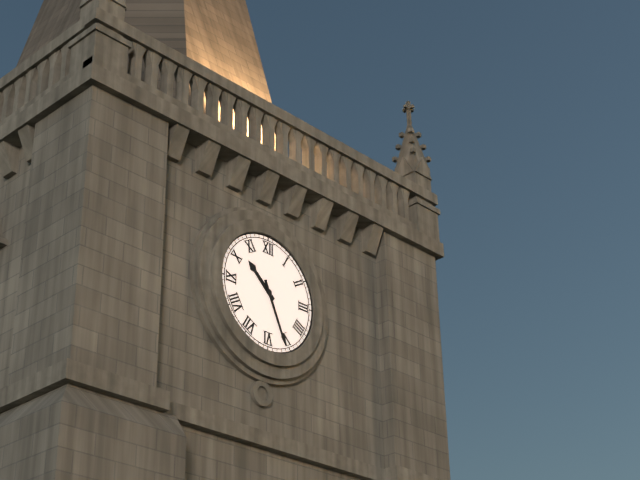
10:26
